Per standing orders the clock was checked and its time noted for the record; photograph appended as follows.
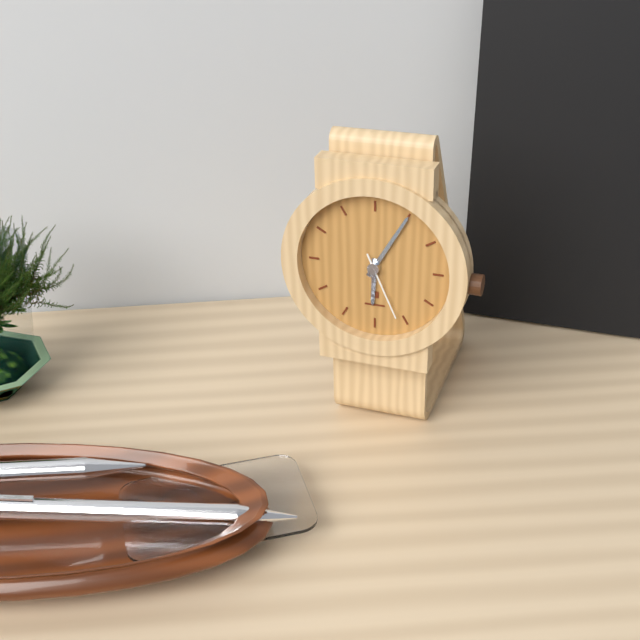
6:05:26
